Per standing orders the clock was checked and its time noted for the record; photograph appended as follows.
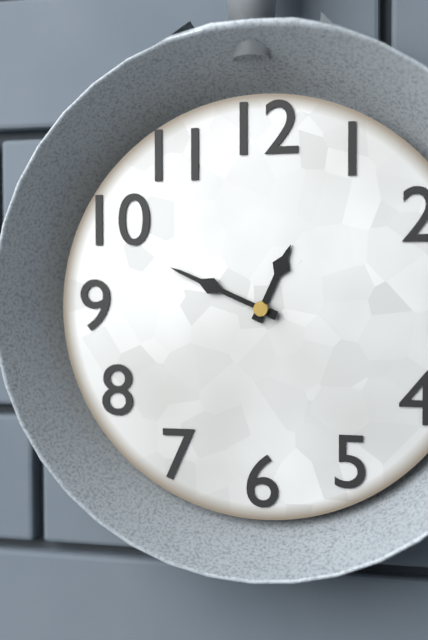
12:49
